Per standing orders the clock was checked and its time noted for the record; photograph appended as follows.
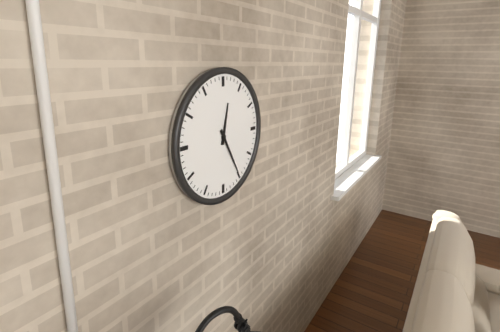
12:25
